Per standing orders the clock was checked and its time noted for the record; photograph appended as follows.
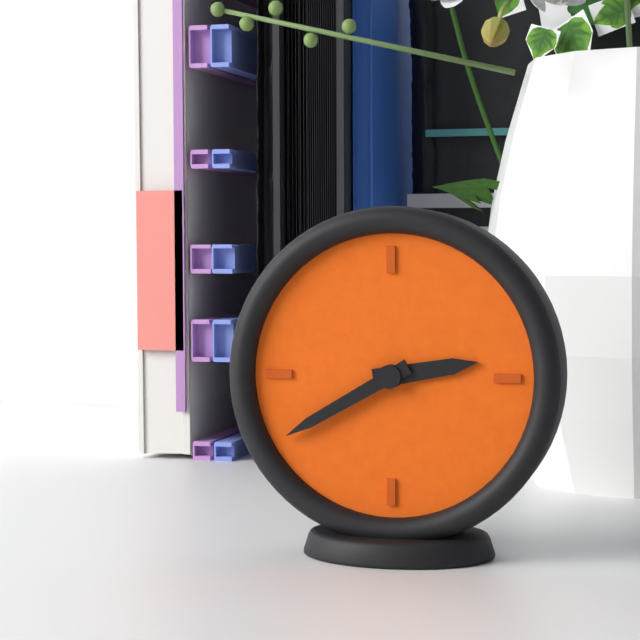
2:40
